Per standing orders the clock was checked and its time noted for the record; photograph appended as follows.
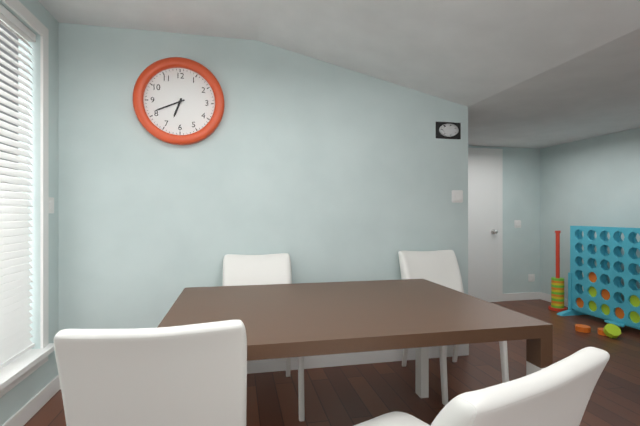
6:41
